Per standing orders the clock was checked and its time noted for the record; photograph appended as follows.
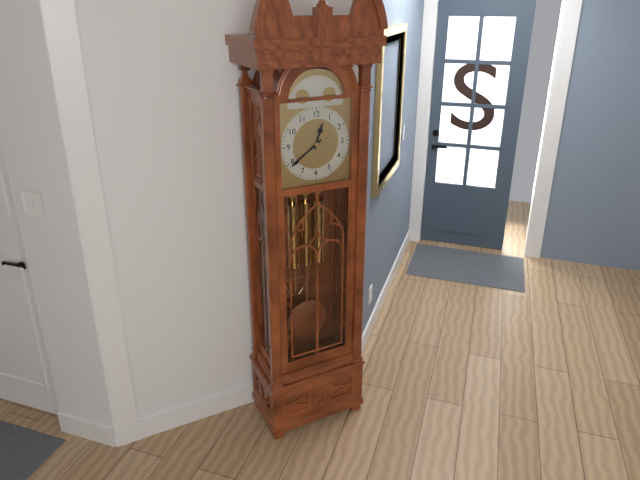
12:39
